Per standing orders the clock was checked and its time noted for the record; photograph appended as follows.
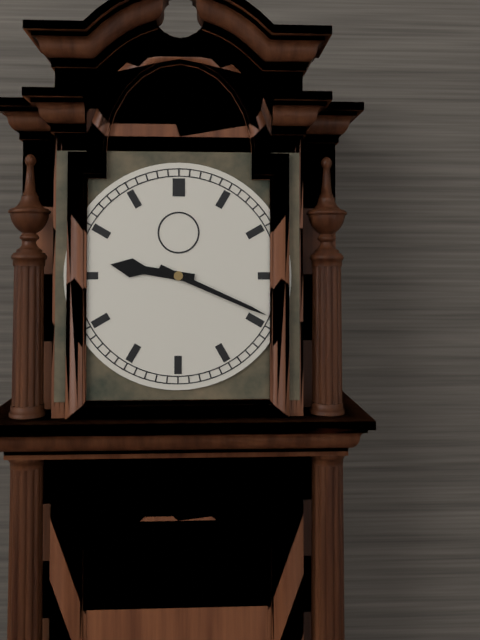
9:19
